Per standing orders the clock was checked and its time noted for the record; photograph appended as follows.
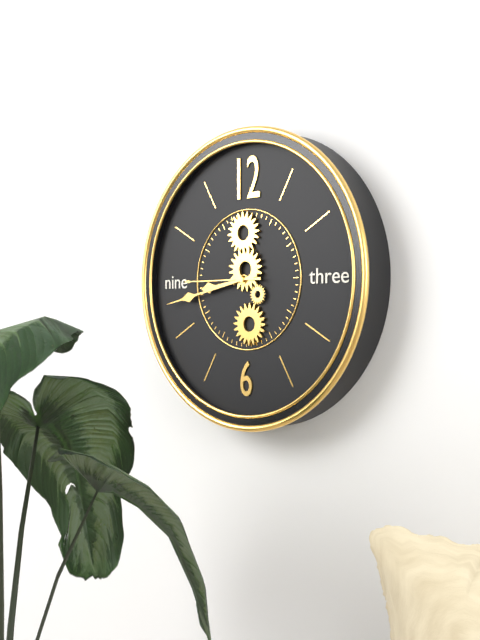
8:43:45
